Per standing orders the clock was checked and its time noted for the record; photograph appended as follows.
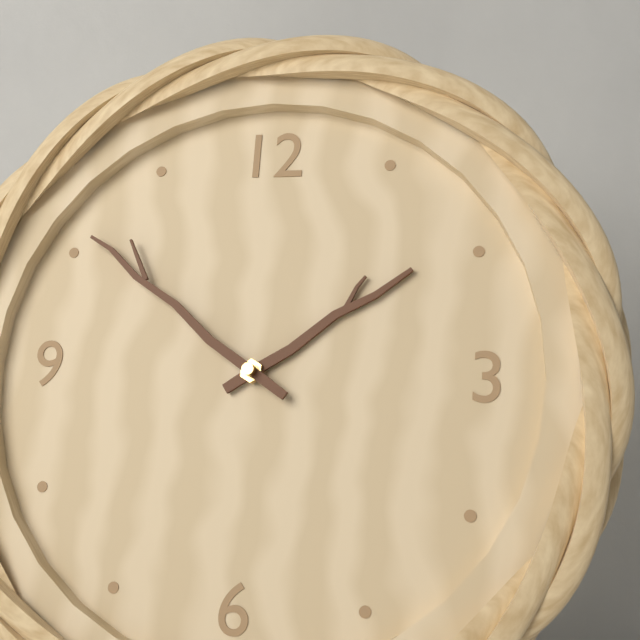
1:51
